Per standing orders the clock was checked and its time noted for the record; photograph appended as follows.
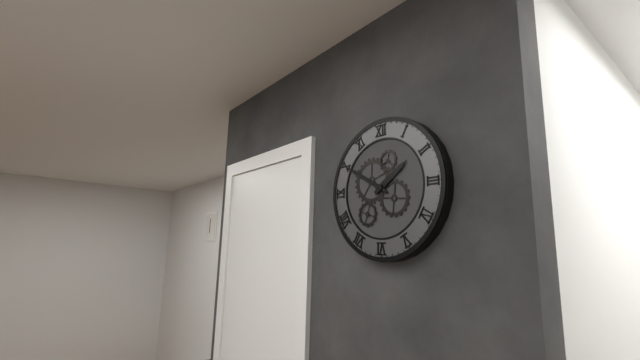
1:50
